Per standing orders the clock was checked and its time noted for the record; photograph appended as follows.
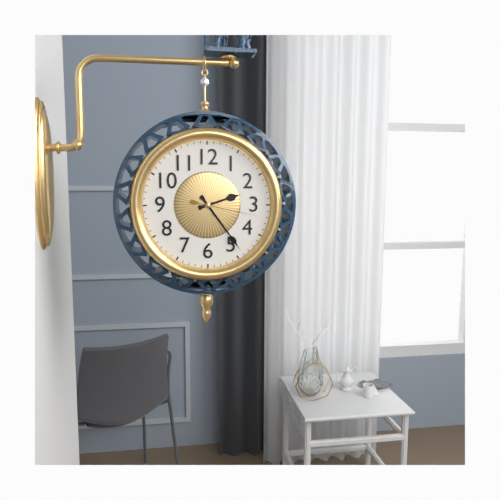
2:24:17
